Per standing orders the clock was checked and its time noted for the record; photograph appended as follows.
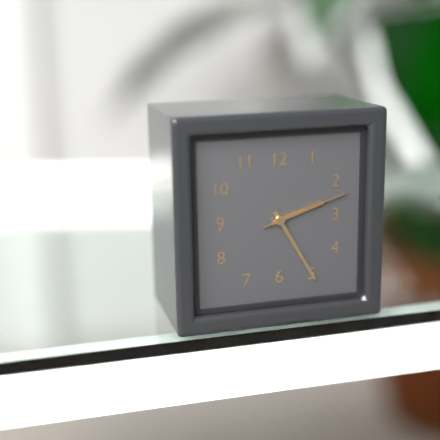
2:25:12
